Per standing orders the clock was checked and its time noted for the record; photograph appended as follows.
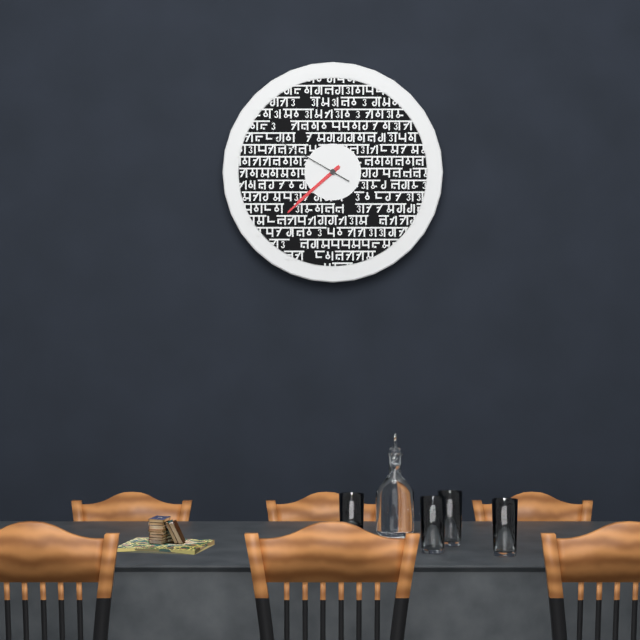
7:38:50
